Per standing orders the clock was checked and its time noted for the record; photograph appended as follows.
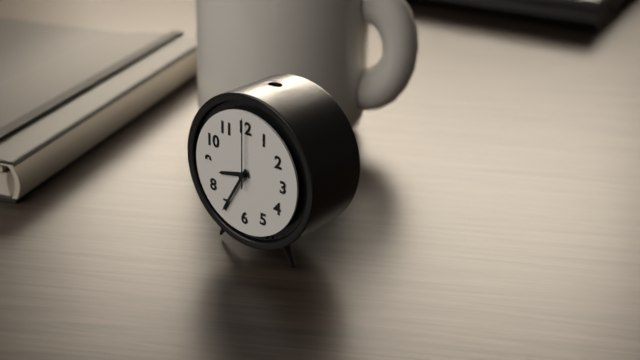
8:35:00
